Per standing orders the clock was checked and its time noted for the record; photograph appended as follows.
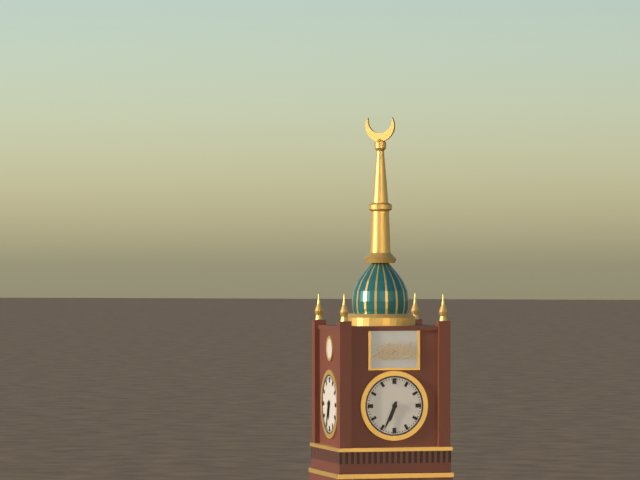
6:34
